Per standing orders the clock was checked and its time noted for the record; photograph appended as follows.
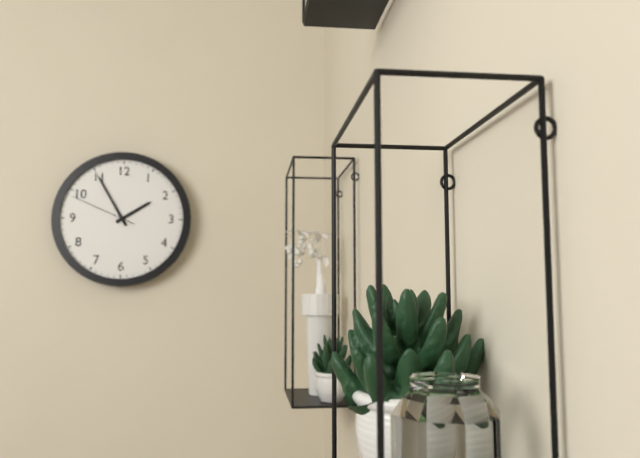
1:55:49
